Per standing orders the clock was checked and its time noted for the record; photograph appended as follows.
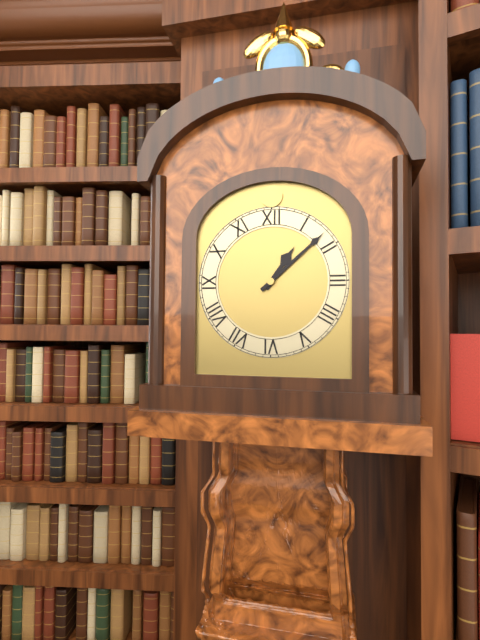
1:08
